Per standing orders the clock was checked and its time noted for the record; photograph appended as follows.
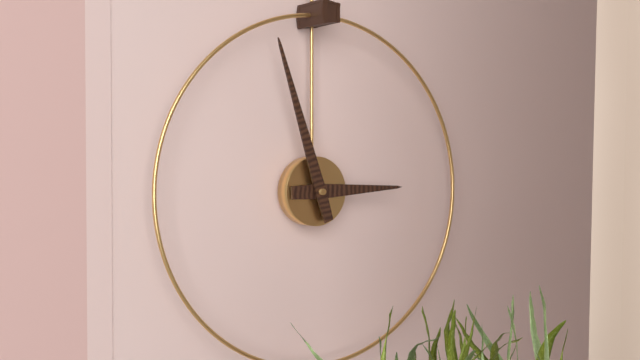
2:57
